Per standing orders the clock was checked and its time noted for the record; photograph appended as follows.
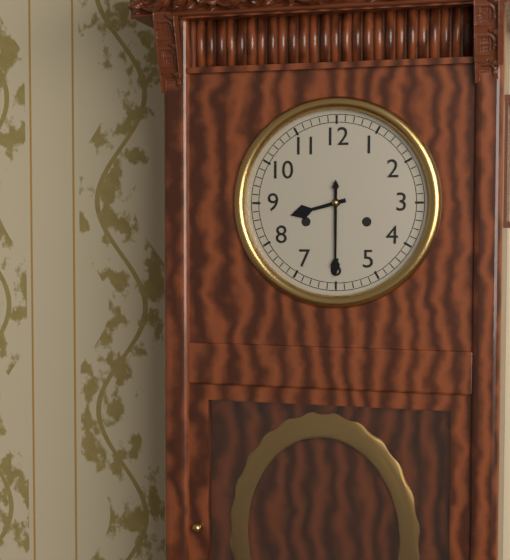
8:30
